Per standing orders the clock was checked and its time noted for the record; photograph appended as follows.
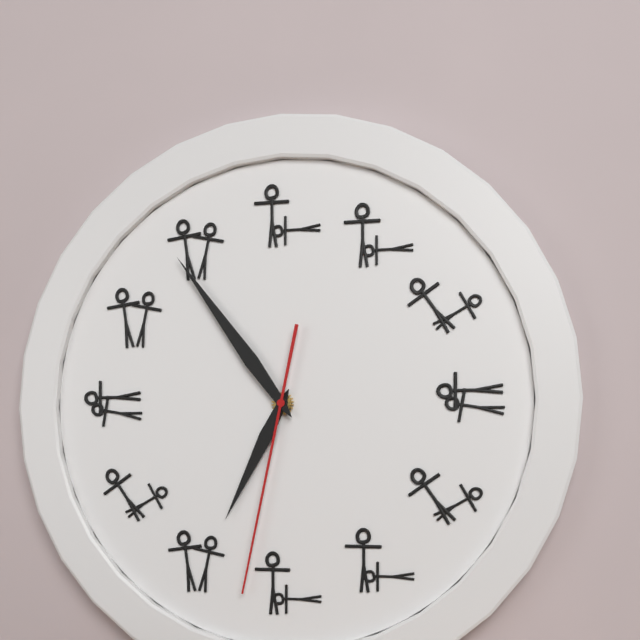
6:54:32
